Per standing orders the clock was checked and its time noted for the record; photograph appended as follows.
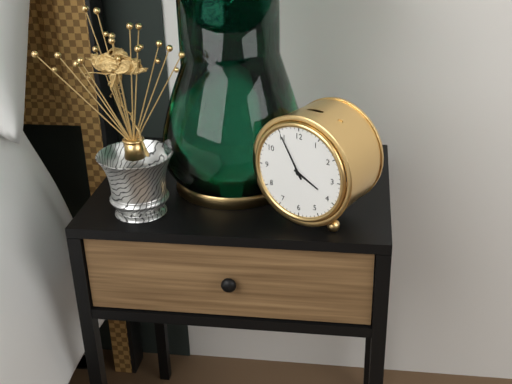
3:55
